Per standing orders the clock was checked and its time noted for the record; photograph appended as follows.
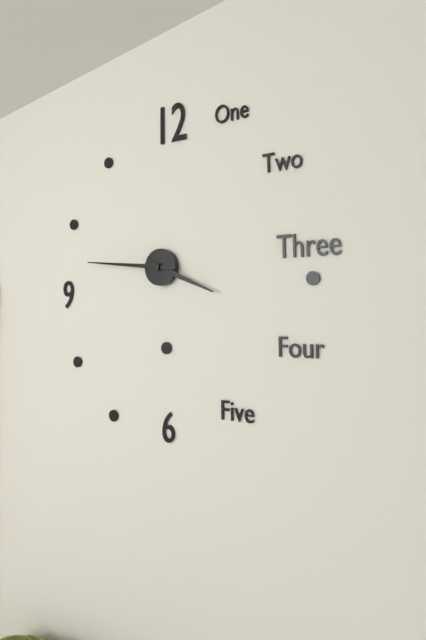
3:46
